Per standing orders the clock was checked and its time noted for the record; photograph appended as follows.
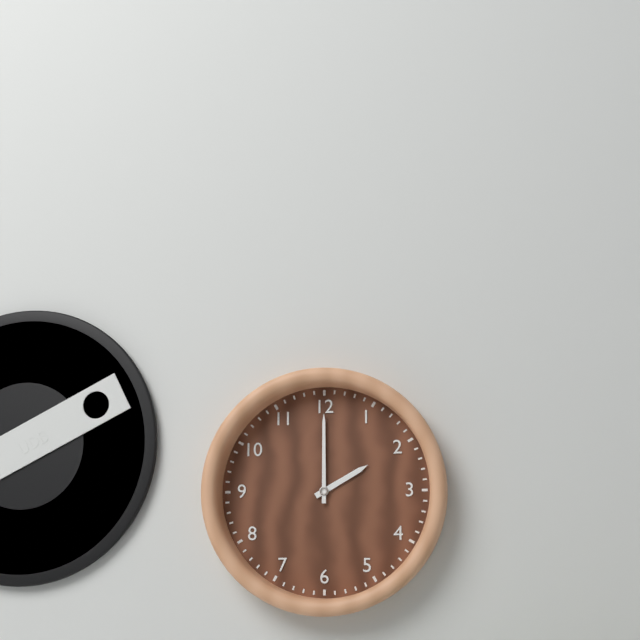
2:00
